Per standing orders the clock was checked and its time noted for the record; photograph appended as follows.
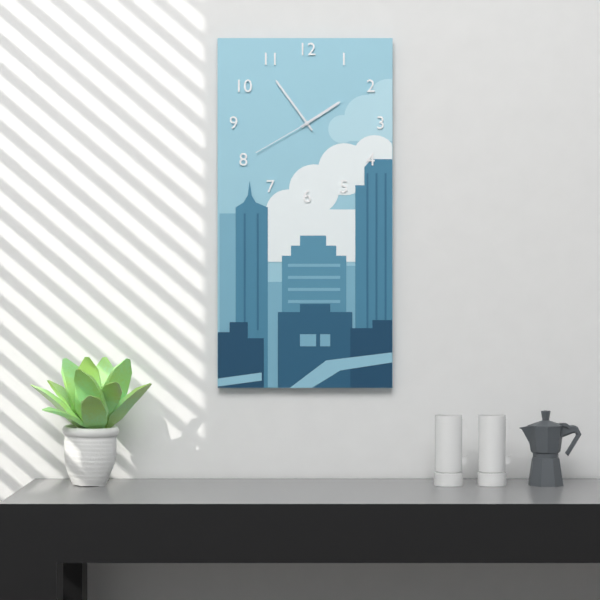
1:54:40
